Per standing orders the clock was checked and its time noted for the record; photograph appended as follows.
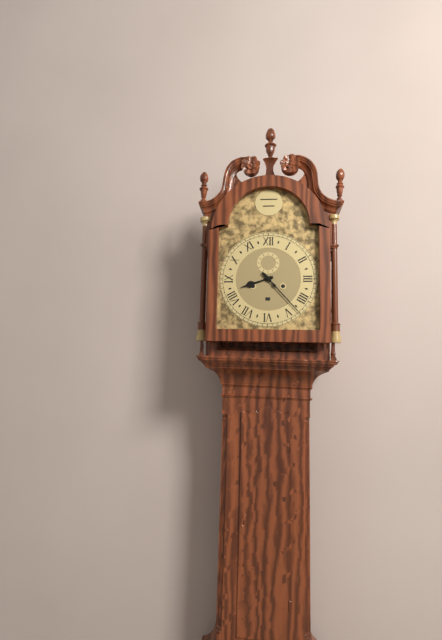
8:23
